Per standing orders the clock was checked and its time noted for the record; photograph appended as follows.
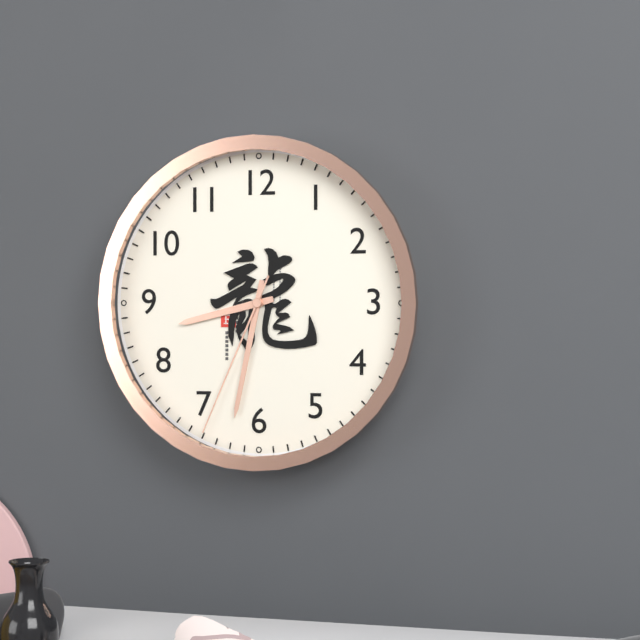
8:32:34
